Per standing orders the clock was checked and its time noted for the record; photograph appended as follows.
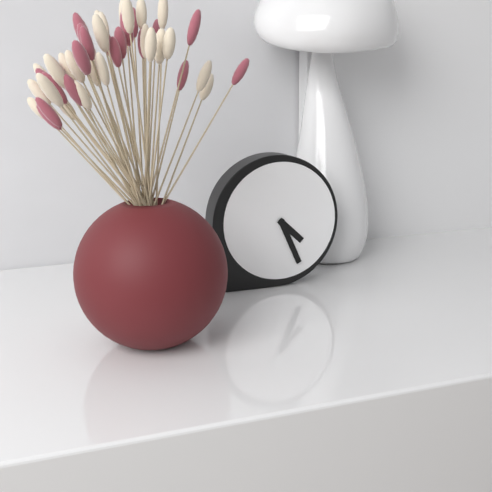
4:26
